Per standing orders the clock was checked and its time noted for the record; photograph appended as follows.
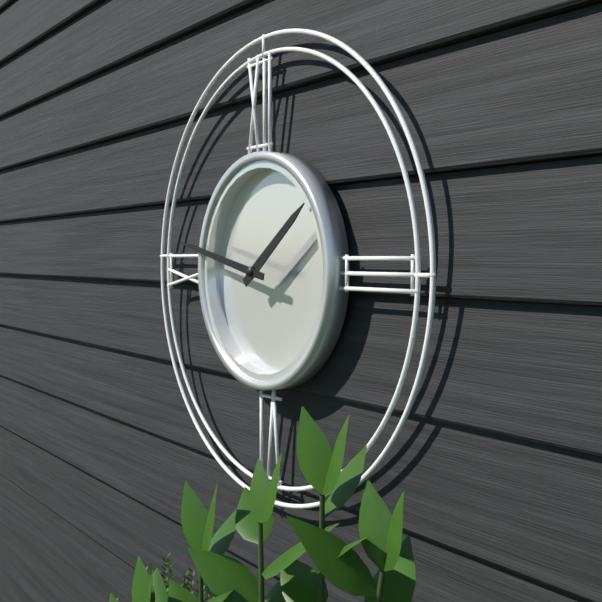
1:47
